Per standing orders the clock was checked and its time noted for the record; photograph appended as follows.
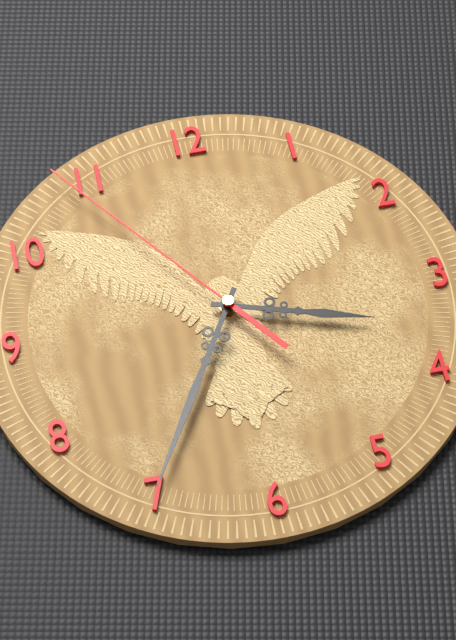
3:35:54
